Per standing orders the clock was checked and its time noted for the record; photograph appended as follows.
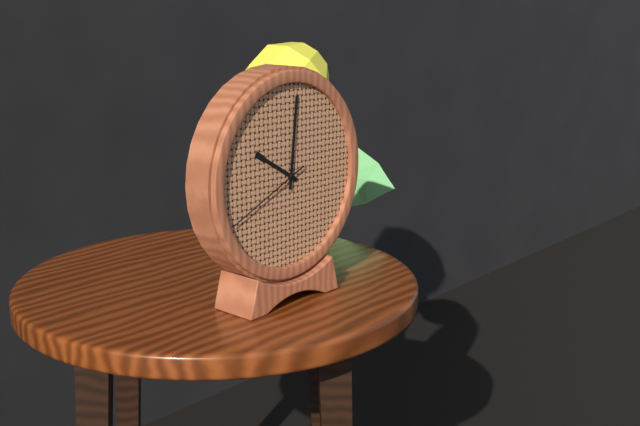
10:01:41
